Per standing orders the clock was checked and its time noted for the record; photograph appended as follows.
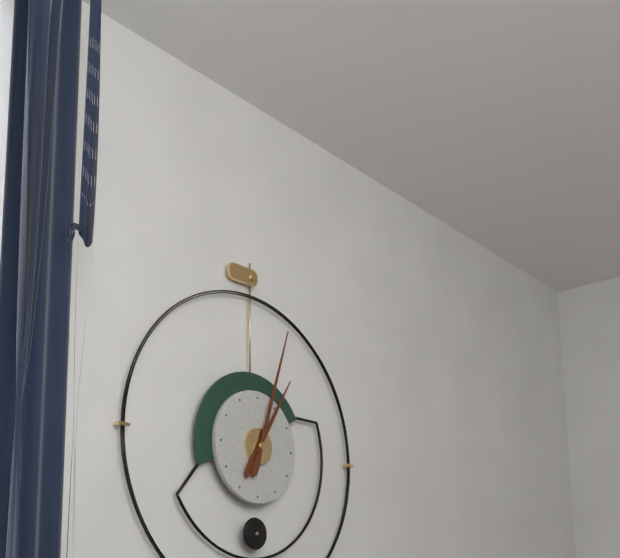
1:03
